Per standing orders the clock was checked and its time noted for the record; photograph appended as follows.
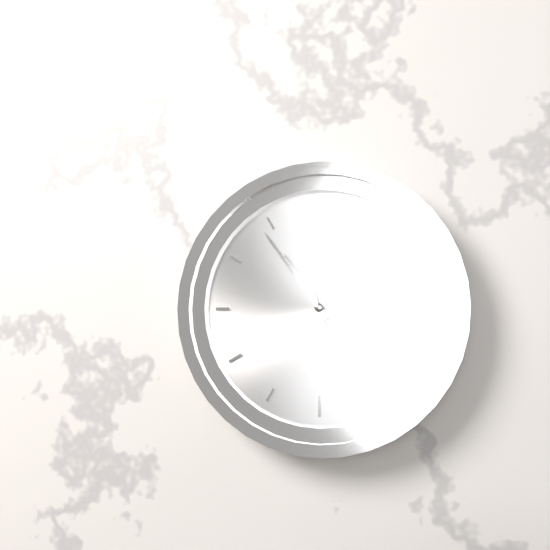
10:54:27
